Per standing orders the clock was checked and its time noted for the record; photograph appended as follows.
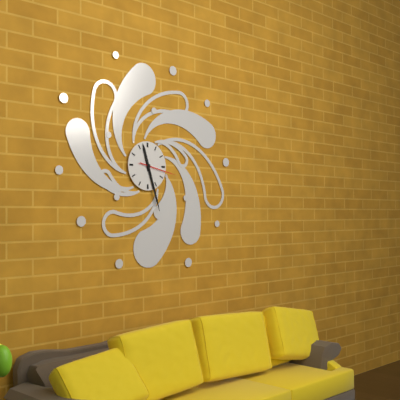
11:27
